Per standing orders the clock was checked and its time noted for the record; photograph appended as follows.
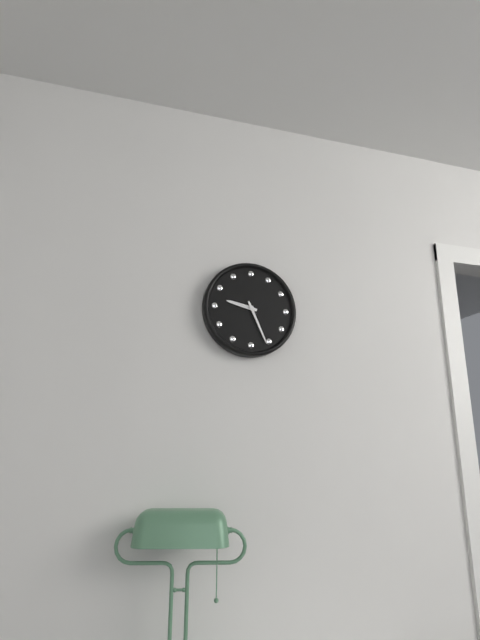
9:26
